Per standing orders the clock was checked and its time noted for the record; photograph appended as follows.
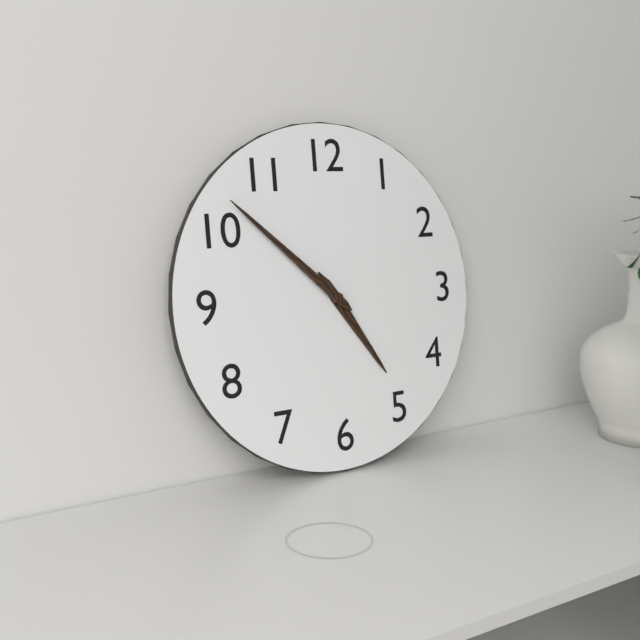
4:52
